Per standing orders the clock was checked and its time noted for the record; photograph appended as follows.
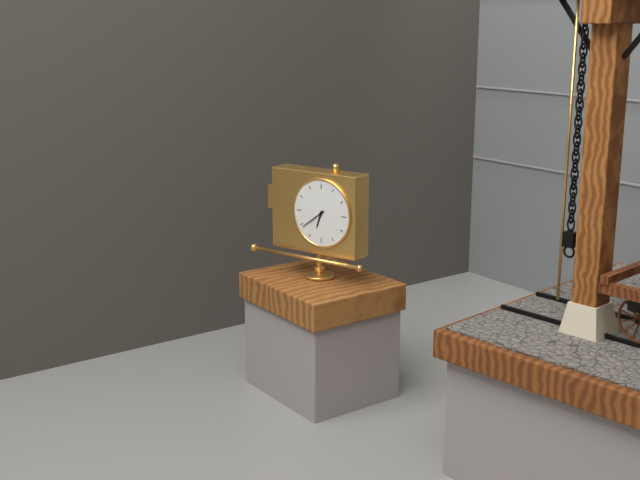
6:39
